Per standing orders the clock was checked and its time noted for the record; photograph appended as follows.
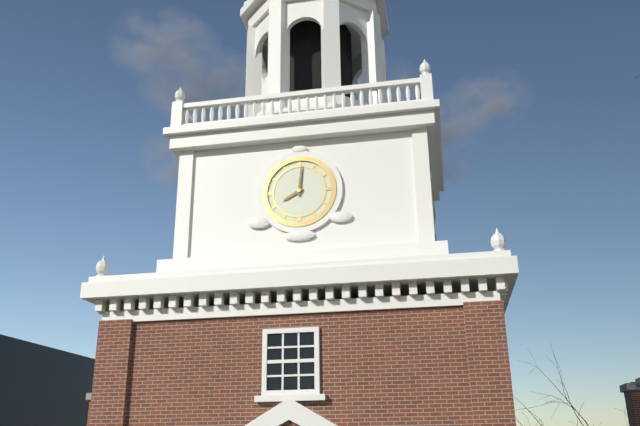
8:01
